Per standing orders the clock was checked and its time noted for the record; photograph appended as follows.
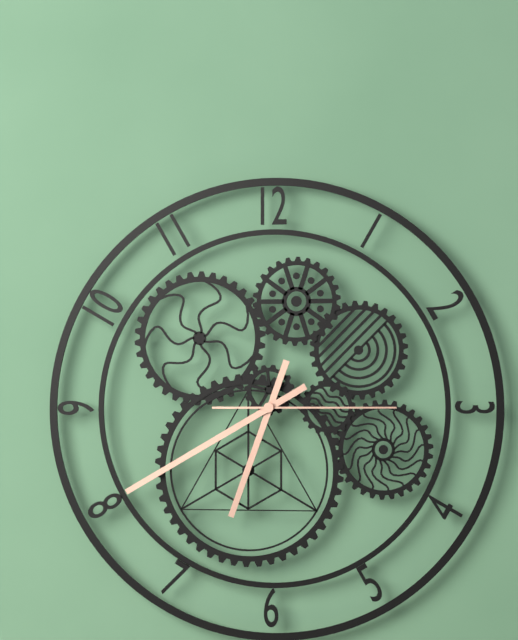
6:40:15
